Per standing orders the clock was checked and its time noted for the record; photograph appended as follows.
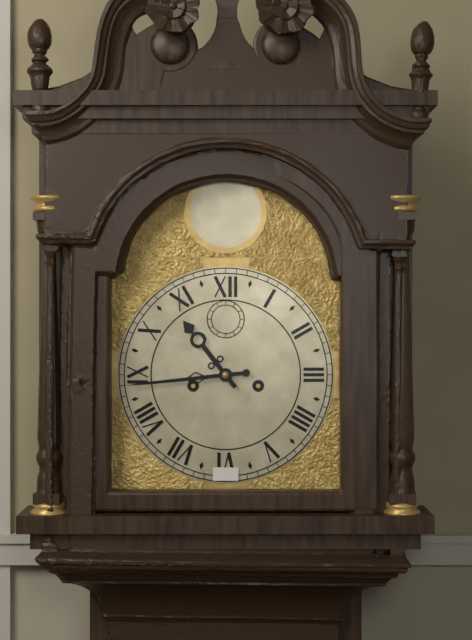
10:44
